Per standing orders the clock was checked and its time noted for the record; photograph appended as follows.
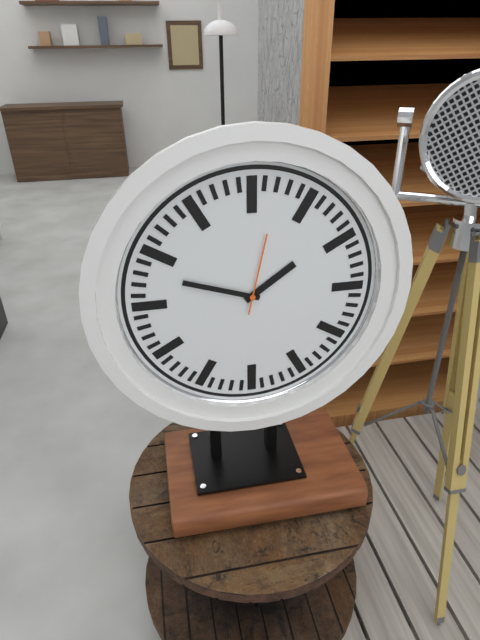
1:48:02
